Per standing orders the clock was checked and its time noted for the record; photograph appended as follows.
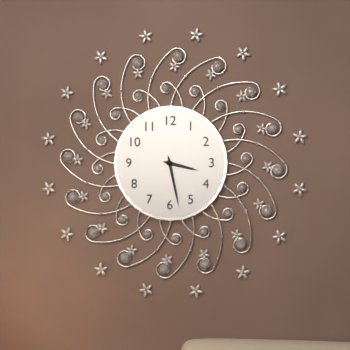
3:28
